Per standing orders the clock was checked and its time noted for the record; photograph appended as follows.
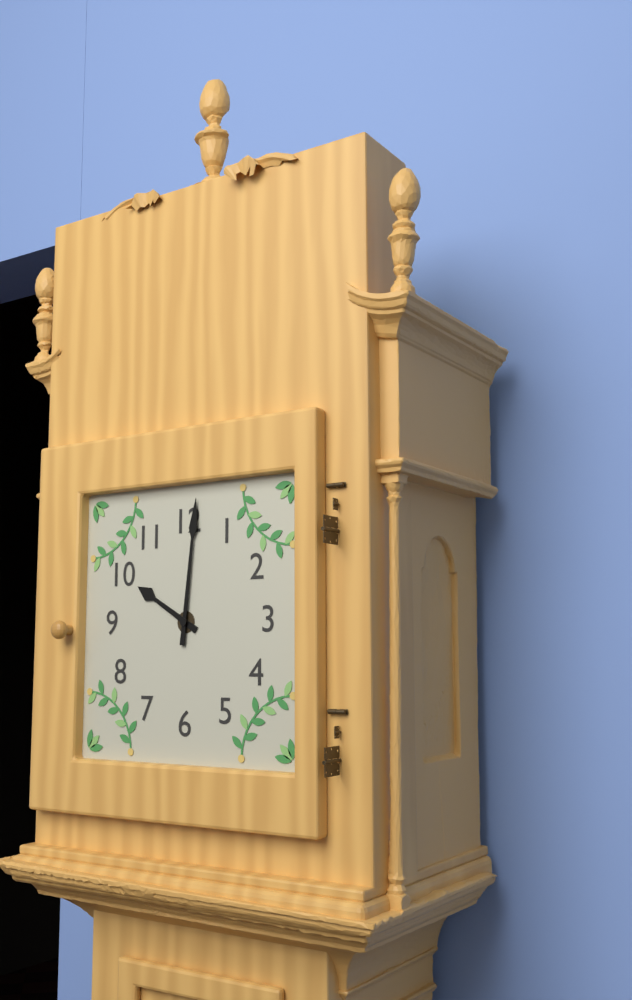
10:01
